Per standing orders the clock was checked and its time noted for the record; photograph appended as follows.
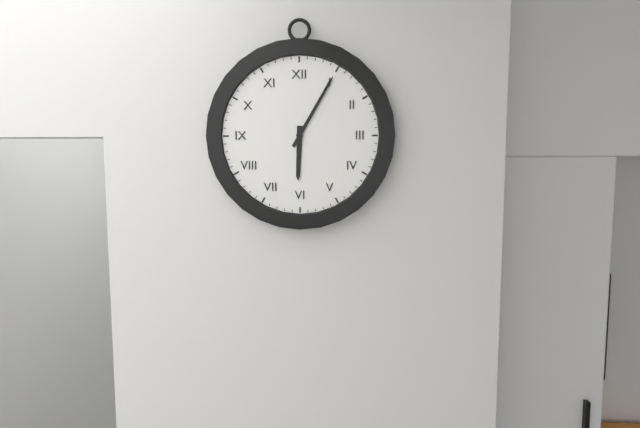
6:05
